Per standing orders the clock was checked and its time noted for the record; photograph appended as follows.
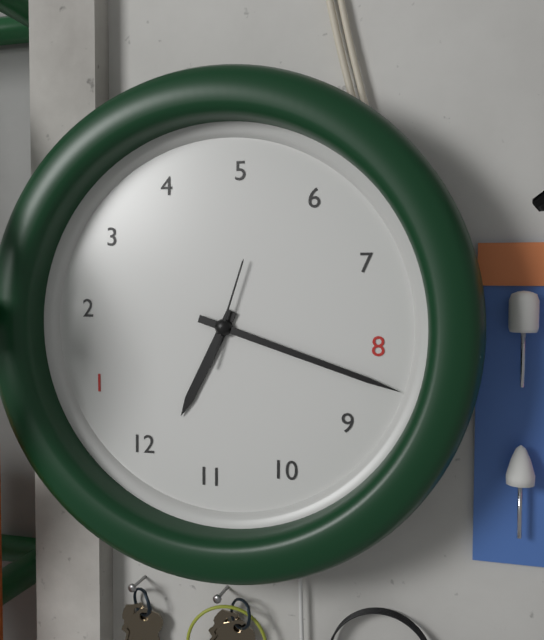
11:42:27
